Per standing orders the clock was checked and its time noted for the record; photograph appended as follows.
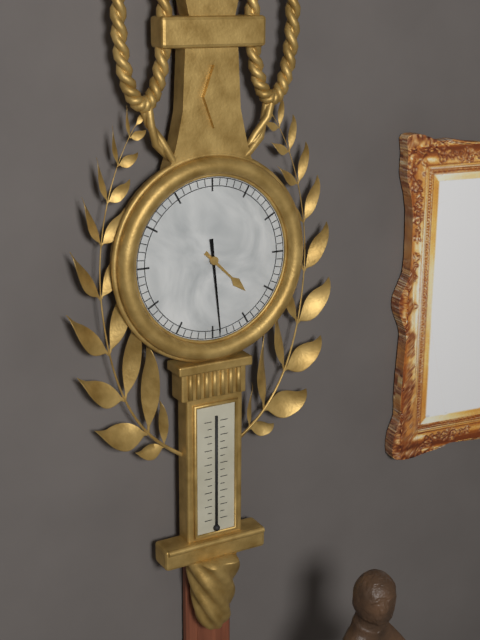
4:29
